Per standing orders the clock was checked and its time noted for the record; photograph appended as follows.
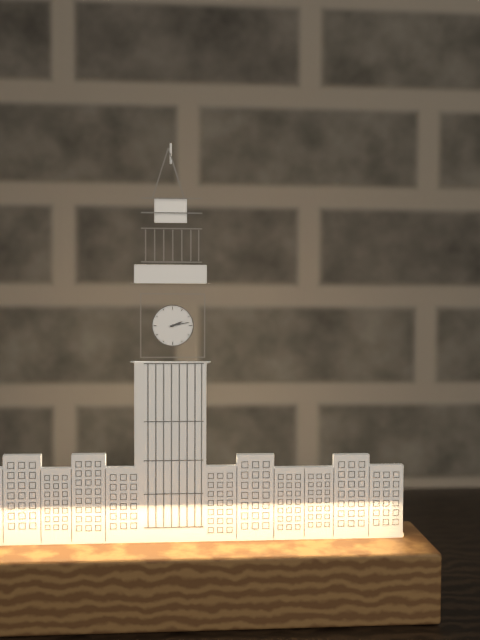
2:13
